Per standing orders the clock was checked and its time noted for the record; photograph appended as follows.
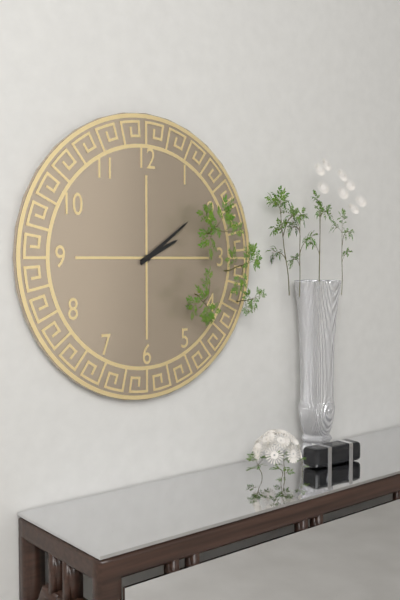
2:09
